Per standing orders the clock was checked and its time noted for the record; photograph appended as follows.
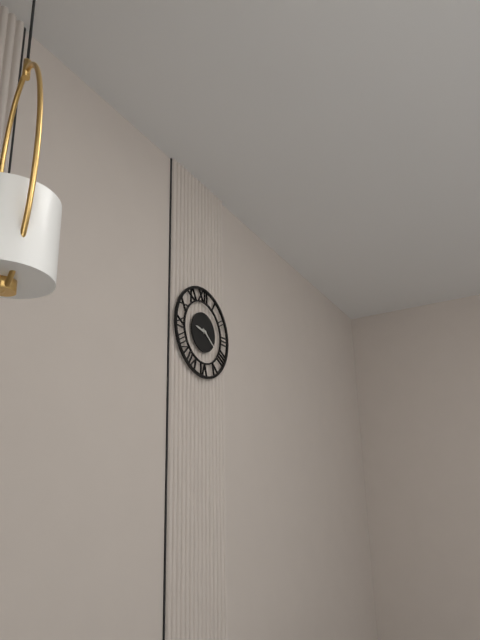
9:21
